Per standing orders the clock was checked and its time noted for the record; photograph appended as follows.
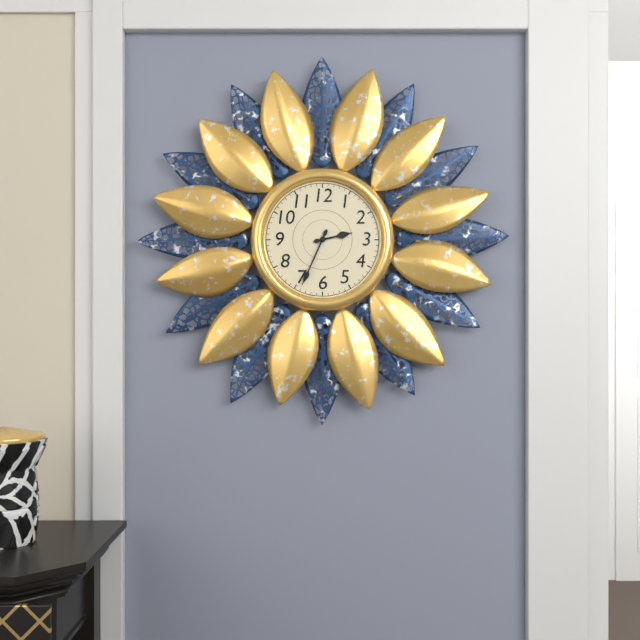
2:34
